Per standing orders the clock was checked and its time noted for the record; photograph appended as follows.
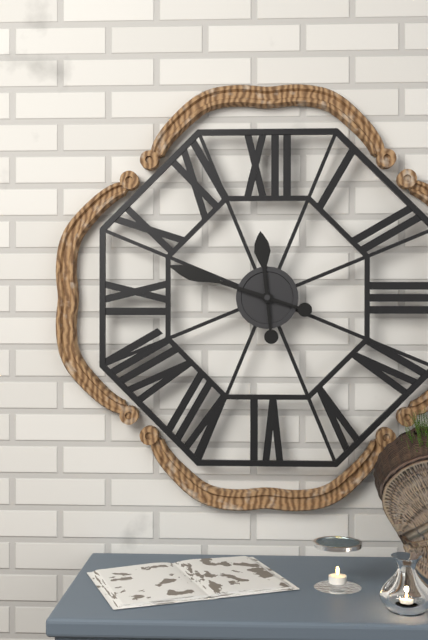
11:48
